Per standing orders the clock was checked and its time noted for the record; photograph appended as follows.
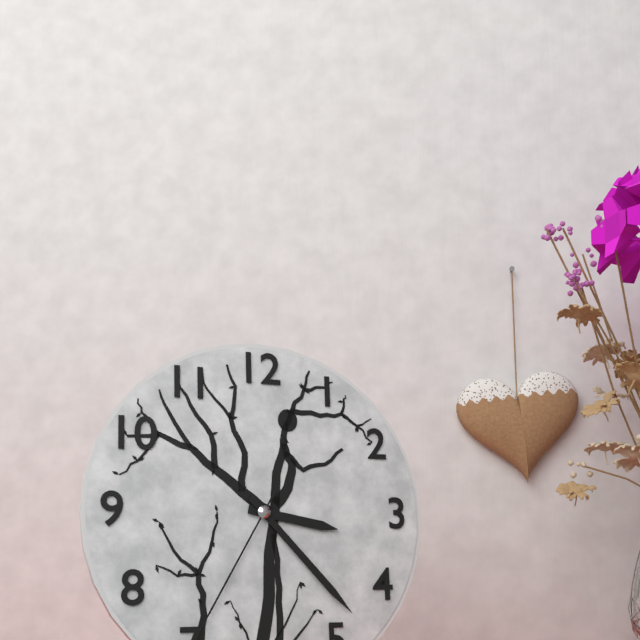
3:23:35
